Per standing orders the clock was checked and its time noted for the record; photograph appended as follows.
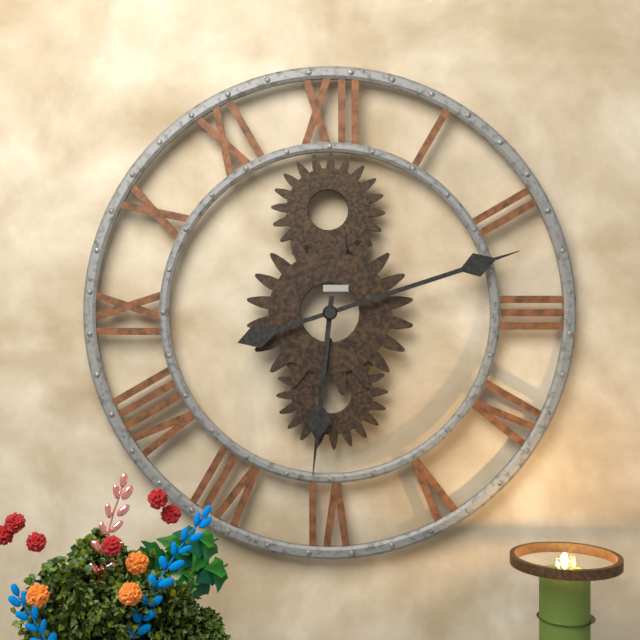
6:12
